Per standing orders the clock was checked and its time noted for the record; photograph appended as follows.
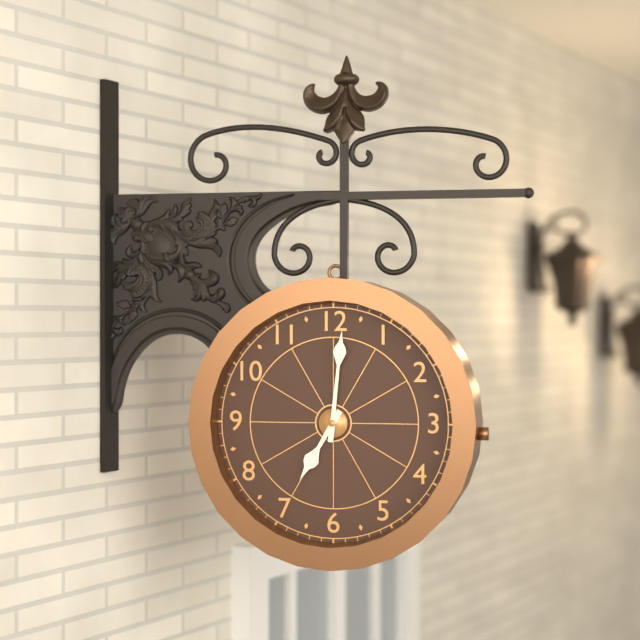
7:01
